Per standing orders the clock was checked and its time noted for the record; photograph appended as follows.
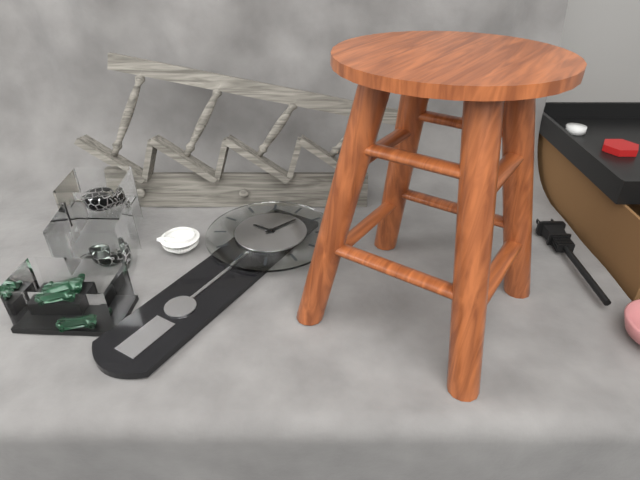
9:03
